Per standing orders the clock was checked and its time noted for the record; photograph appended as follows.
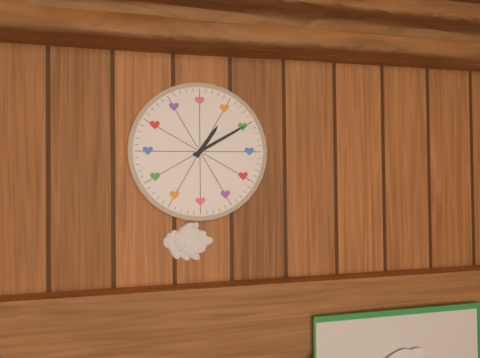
1:10
